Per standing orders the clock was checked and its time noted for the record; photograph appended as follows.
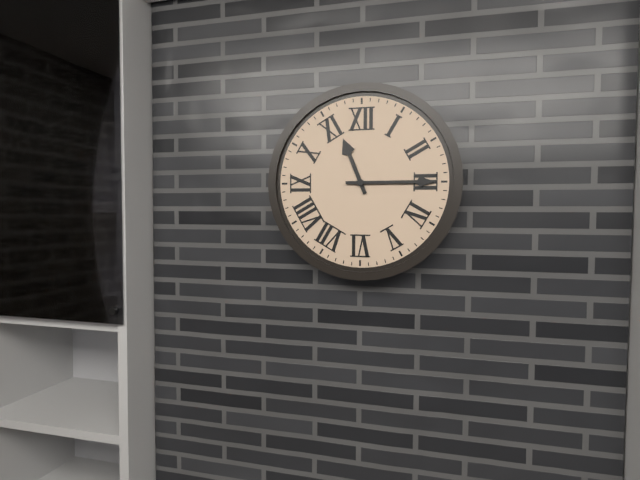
11:15
